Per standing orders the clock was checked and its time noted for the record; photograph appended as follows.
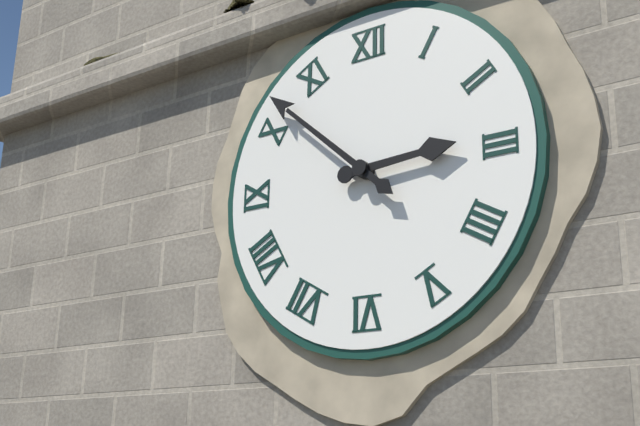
2:52
